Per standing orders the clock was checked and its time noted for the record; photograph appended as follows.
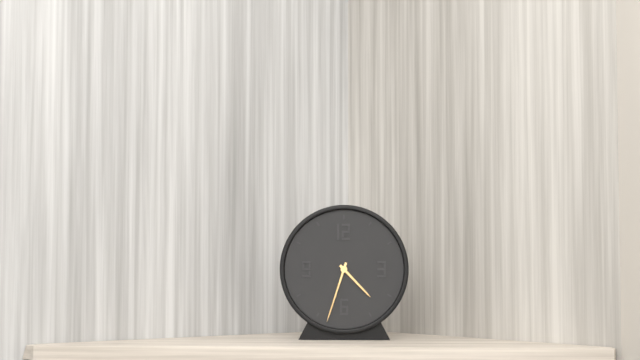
4:33
